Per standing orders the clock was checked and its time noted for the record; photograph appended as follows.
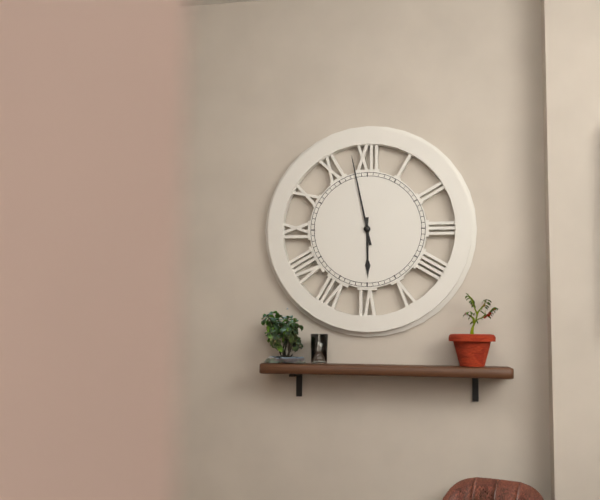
5:58
